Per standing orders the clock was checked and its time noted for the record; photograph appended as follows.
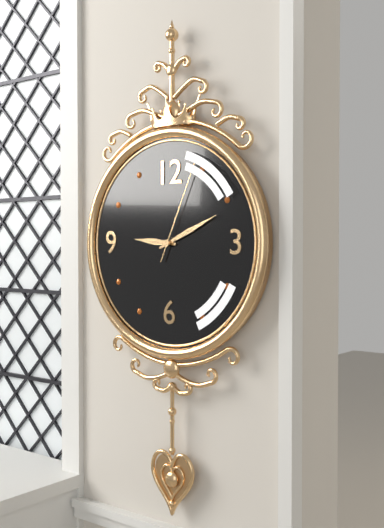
9:11:04
